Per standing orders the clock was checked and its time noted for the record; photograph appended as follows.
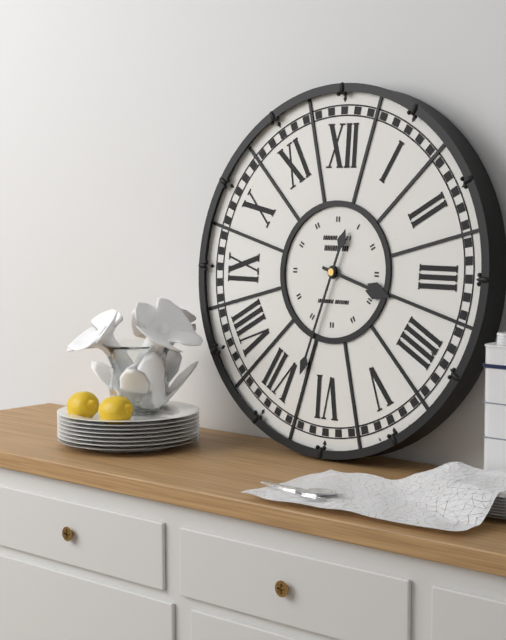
3:33
